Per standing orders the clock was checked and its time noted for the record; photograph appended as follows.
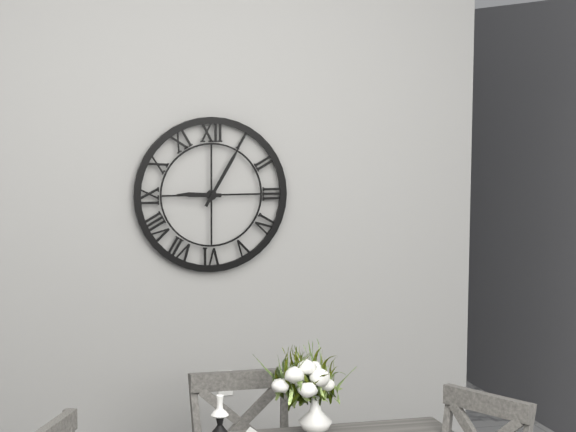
9:05
